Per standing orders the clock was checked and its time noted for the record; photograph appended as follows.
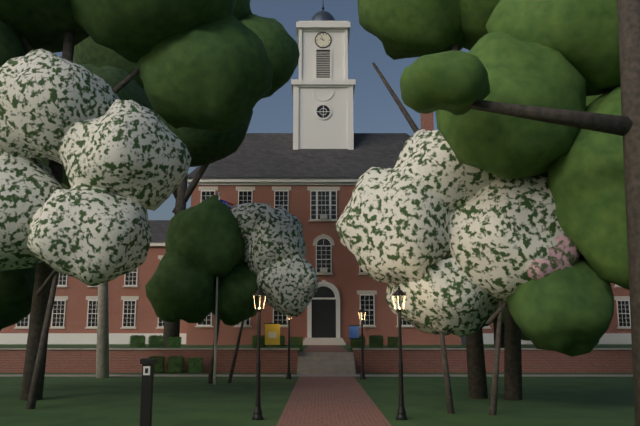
9:56
